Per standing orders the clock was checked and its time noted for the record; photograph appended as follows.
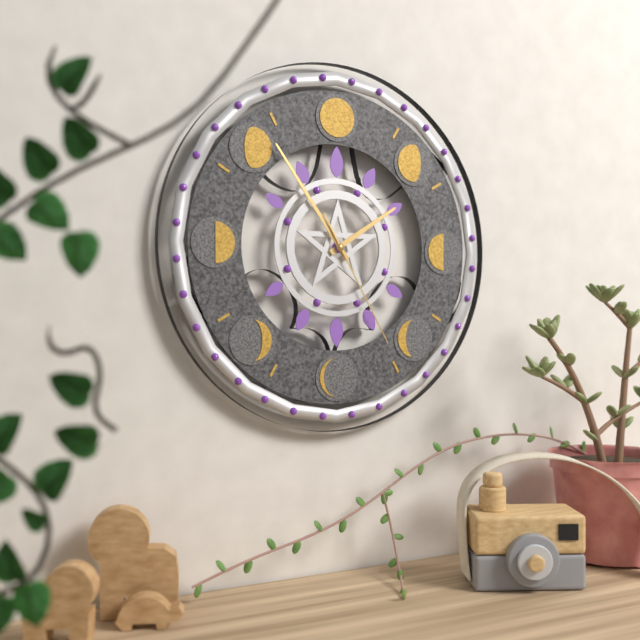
1:54:25
